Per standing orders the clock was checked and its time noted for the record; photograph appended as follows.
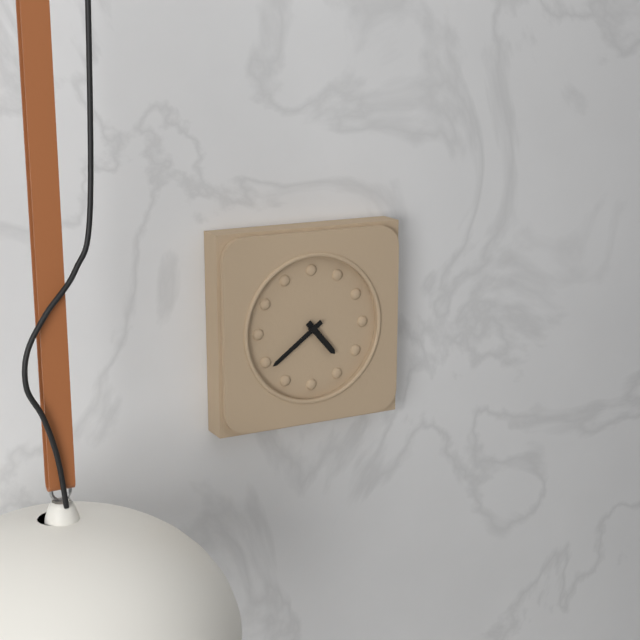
4:39
